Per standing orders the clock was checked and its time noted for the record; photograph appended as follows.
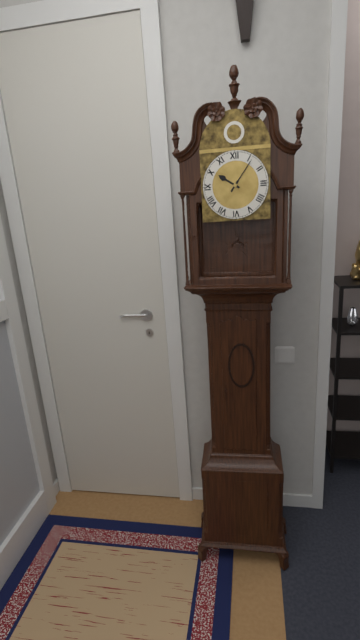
10:06
